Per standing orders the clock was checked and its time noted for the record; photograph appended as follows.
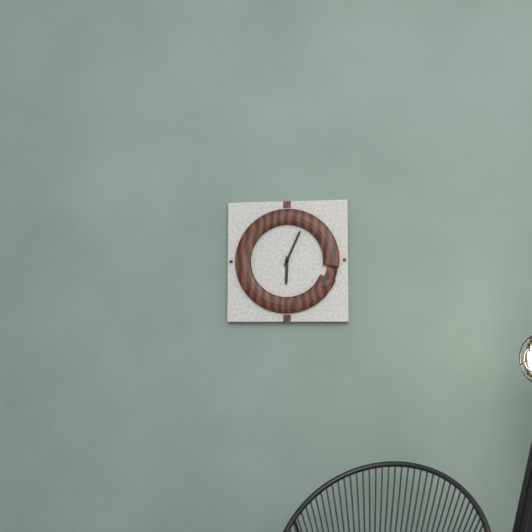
6:04
